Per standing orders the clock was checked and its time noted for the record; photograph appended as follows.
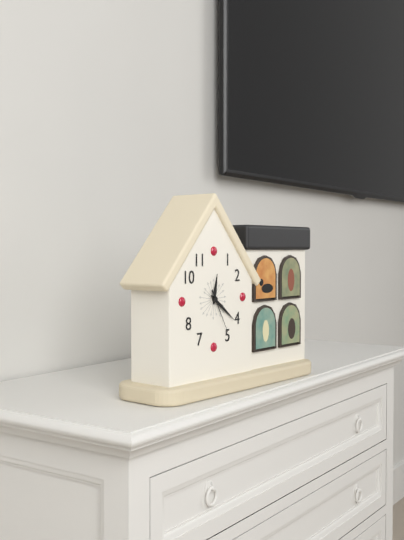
12:21:25
